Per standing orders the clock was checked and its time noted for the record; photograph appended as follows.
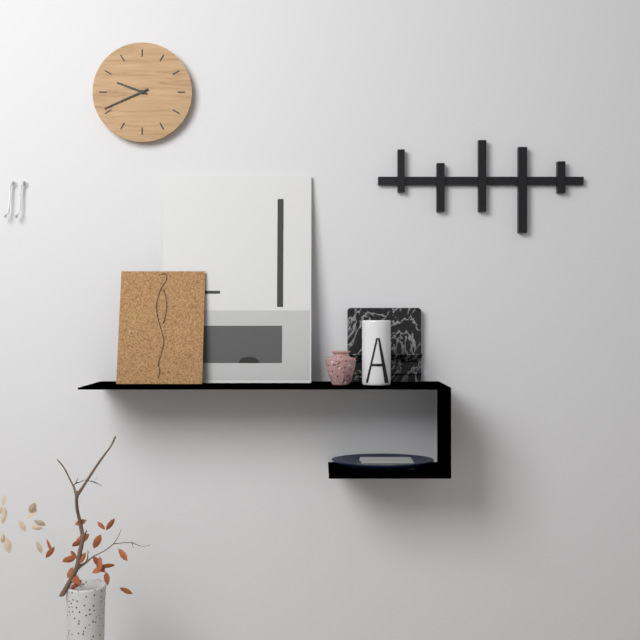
9:41
